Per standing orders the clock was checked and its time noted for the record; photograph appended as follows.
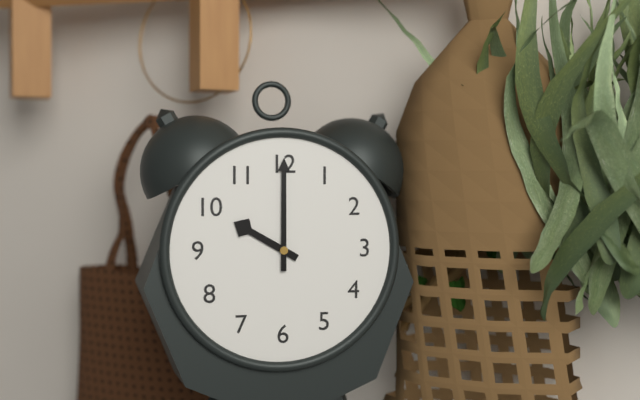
10:00
